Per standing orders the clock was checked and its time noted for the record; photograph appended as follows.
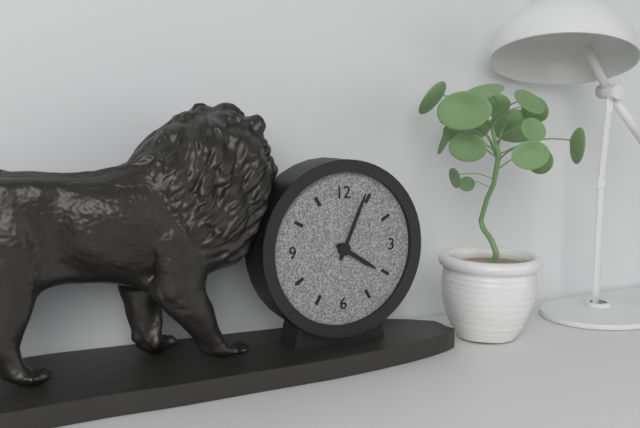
4:04
